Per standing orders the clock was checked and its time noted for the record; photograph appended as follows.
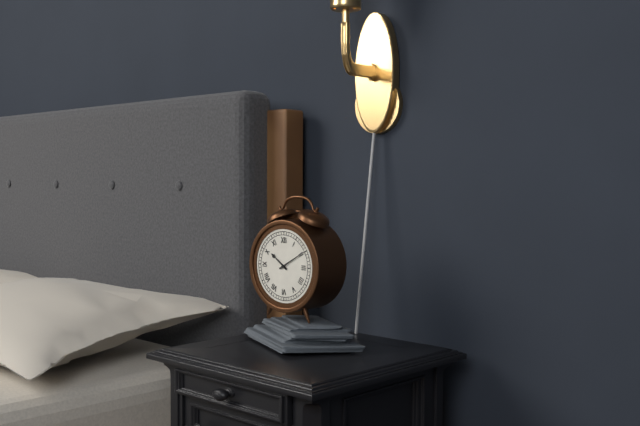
10:10
